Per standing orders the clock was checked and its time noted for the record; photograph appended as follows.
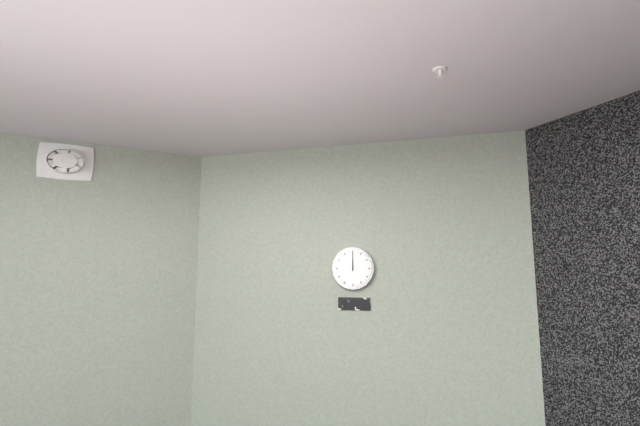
12:00
